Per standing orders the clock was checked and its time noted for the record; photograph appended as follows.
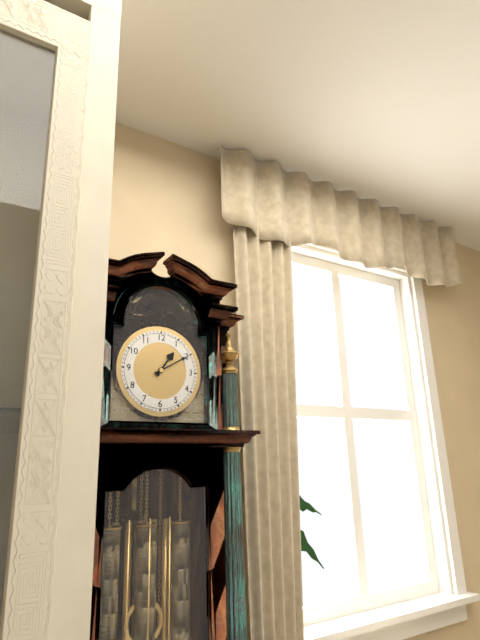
1:10
